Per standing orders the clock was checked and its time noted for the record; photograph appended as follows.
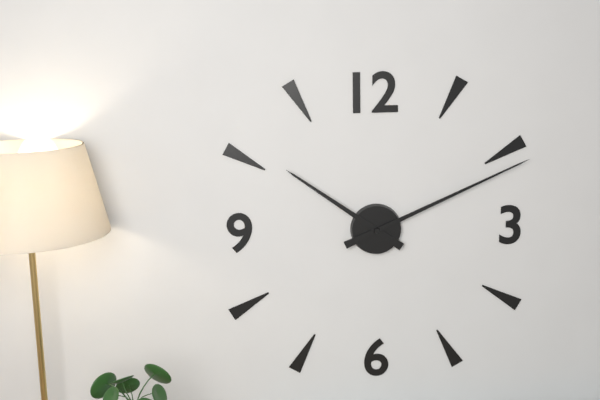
10:11
